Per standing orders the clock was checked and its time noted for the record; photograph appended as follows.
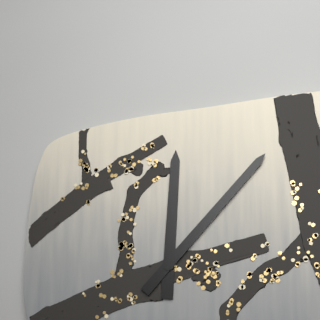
12:07
